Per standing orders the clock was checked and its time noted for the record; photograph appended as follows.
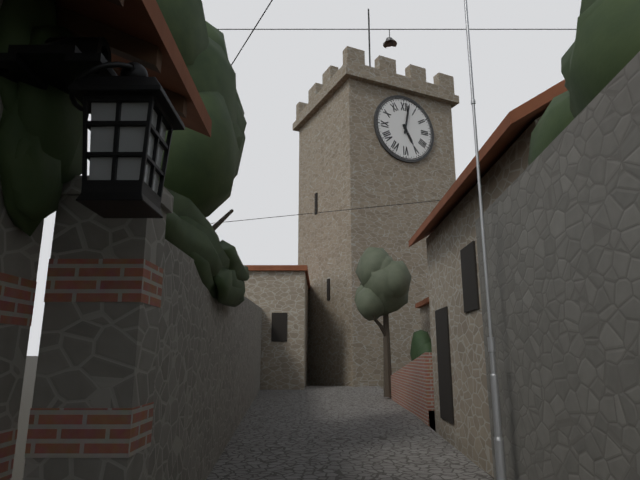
5:02
